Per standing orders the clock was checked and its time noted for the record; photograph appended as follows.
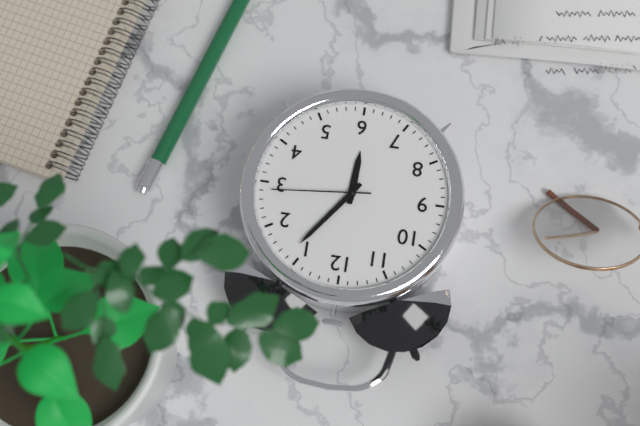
6:06:14
